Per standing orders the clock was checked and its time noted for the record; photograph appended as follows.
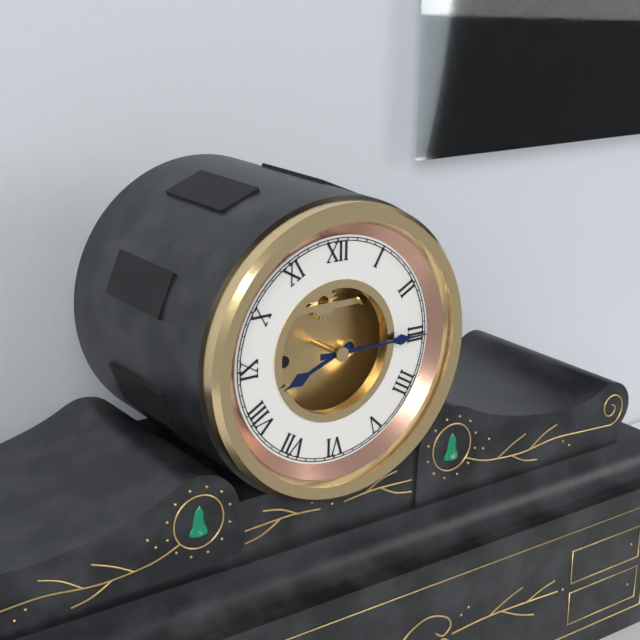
8:15
